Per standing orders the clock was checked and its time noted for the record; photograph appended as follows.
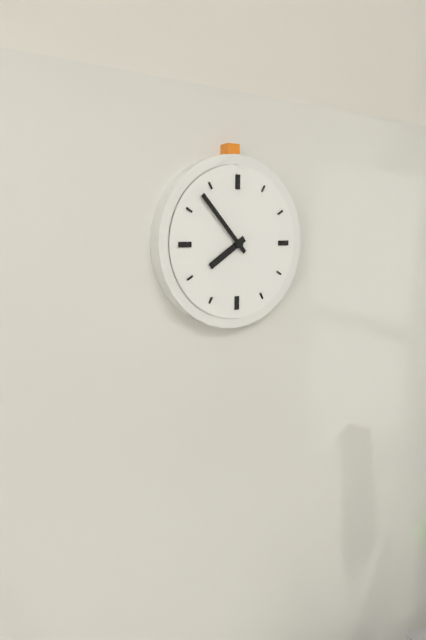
7:53
